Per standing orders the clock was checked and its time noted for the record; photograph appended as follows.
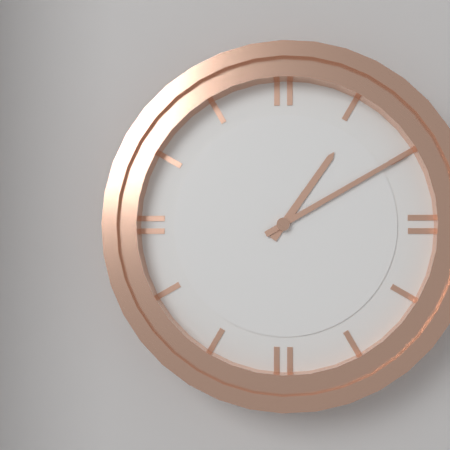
1:10
